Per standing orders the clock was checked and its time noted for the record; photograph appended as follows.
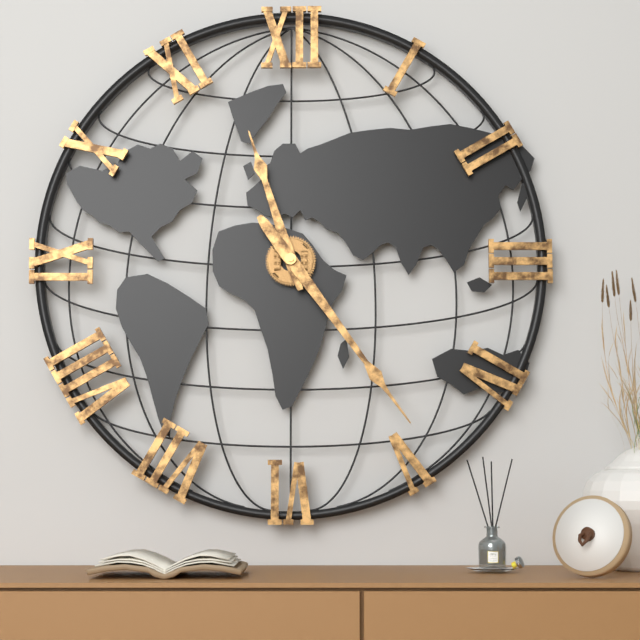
11:24
